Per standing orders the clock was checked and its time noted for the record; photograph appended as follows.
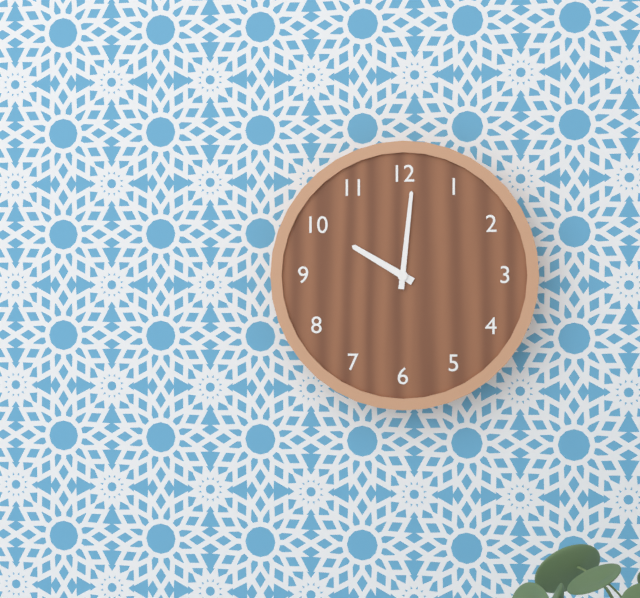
10:01
